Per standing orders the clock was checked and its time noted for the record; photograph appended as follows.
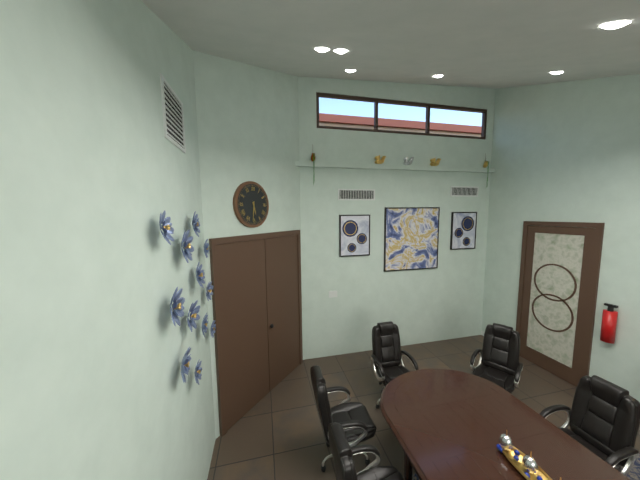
5:31
